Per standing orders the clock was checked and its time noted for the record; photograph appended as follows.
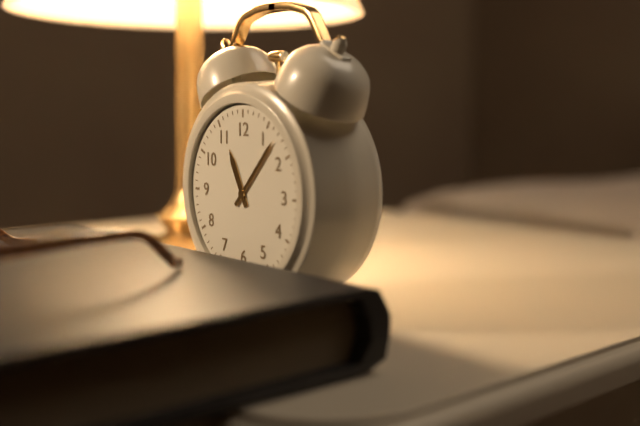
11:07
